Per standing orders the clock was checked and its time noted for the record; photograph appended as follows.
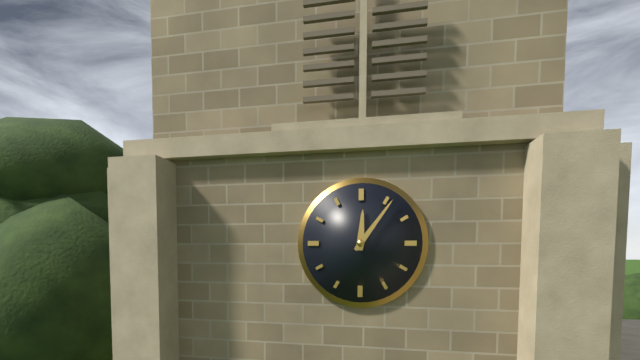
12:06
